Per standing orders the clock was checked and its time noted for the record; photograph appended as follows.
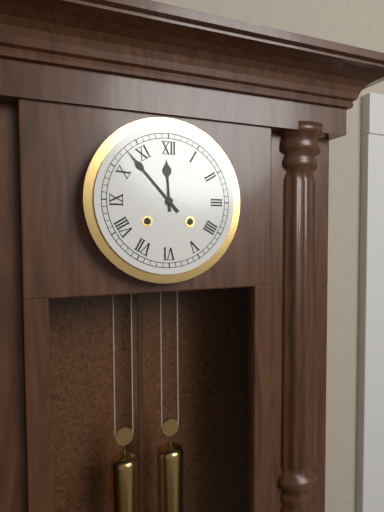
11:53
